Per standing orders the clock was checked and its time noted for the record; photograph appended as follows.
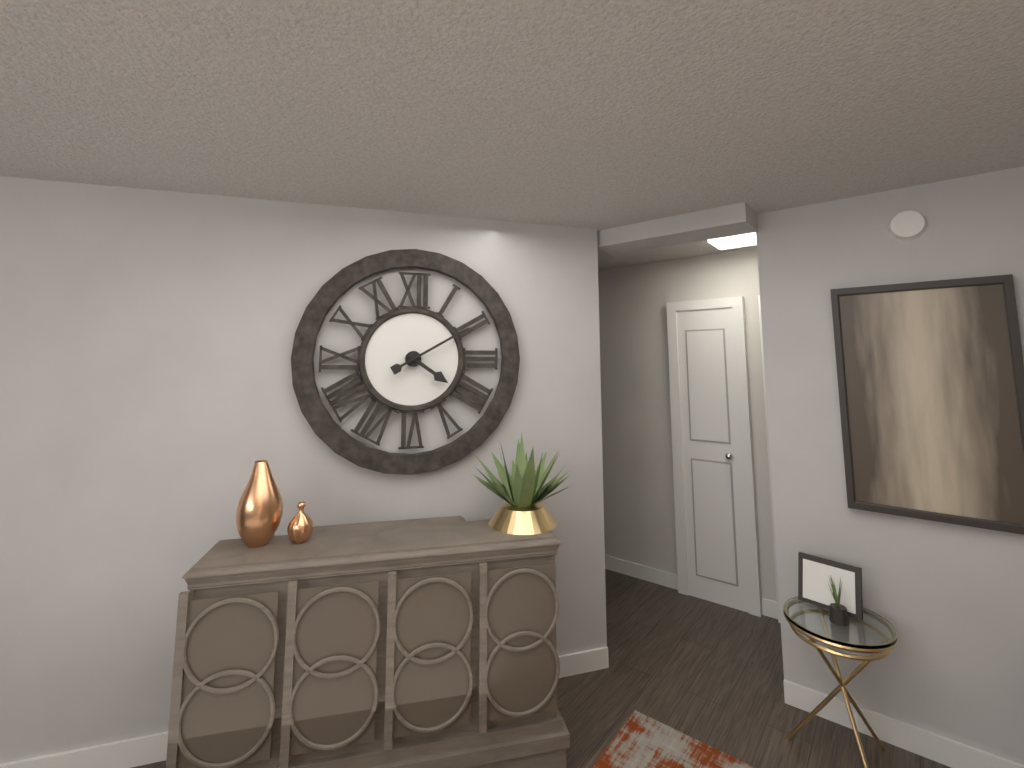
4:10
